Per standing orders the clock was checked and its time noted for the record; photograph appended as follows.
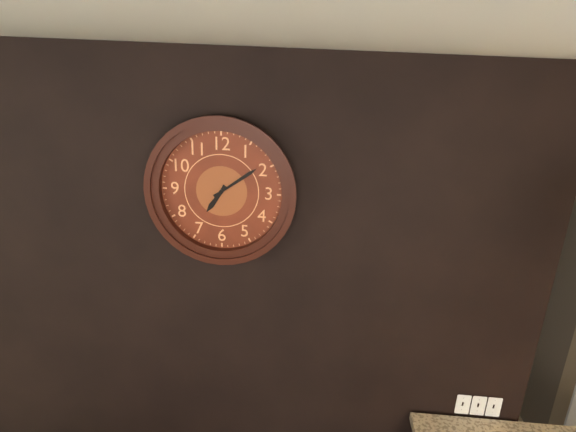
7:09
